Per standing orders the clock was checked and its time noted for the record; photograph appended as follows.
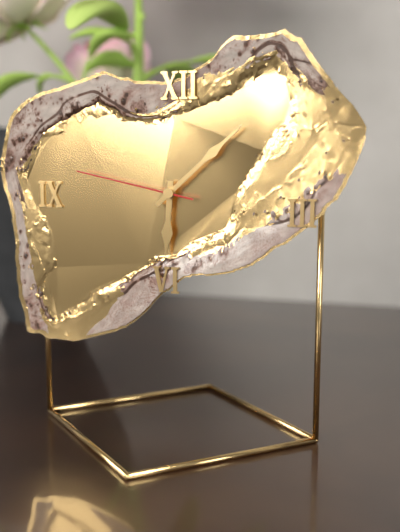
6:08:47
